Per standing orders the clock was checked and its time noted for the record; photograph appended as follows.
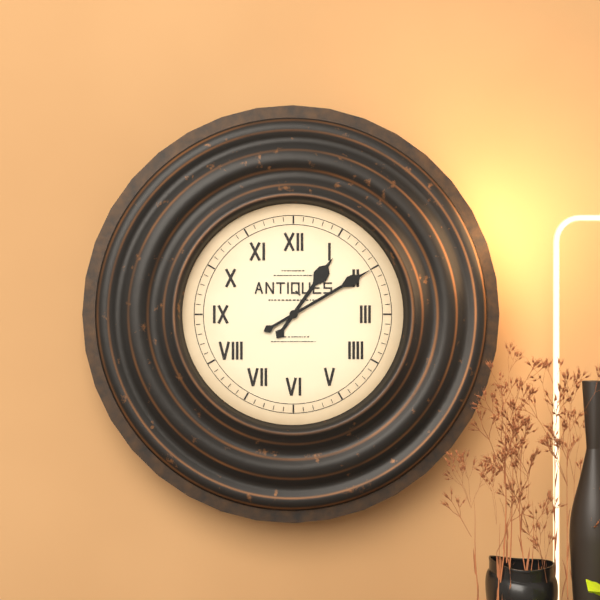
1:10
